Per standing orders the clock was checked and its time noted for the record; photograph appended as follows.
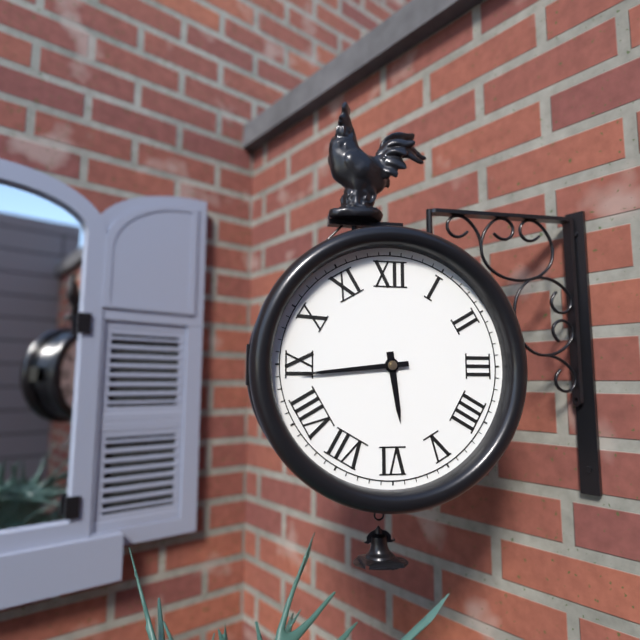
5:44
